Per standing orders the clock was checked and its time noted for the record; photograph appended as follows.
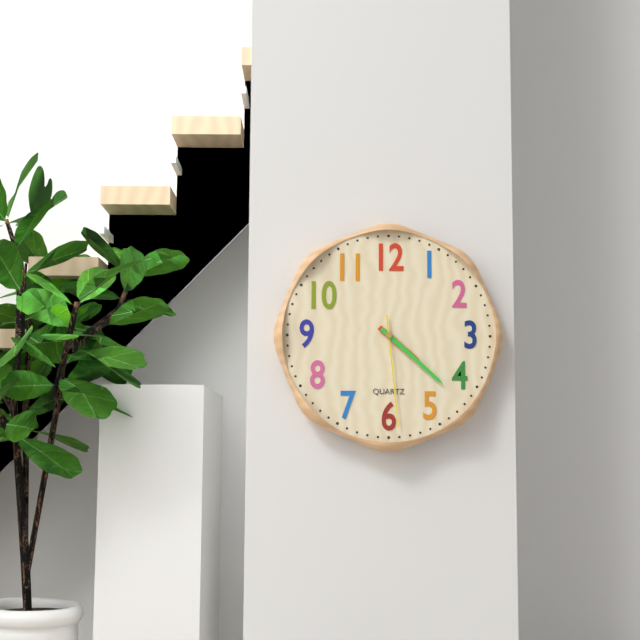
4:22:29
